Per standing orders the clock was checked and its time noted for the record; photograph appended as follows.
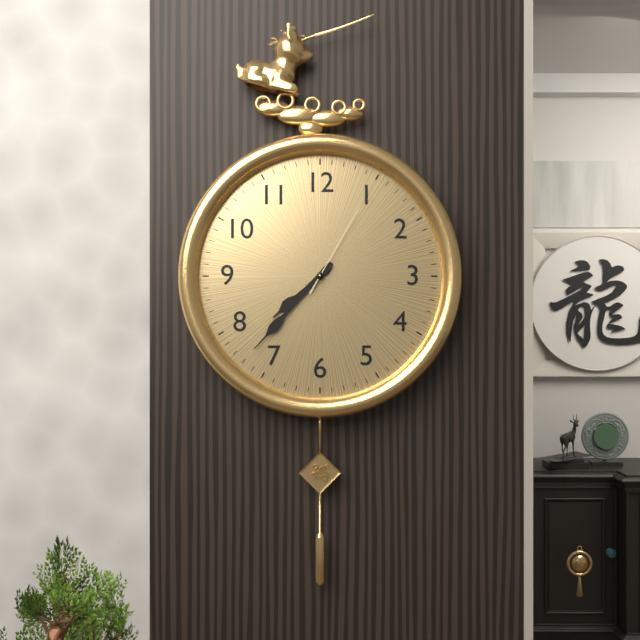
7:37:05
